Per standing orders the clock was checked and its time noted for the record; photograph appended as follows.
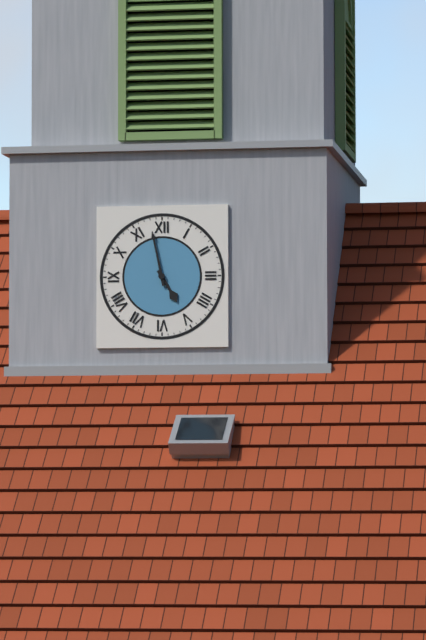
4:58
